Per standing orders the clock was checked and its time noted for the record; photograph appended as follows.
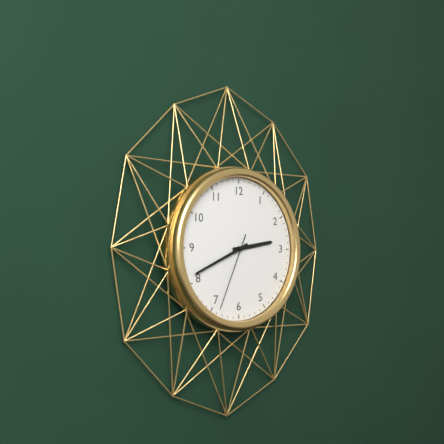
2:41:34
